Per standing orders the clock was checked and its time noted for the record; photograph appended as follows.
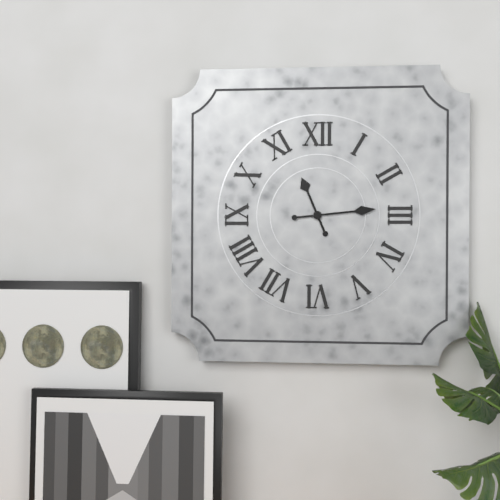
11:14
